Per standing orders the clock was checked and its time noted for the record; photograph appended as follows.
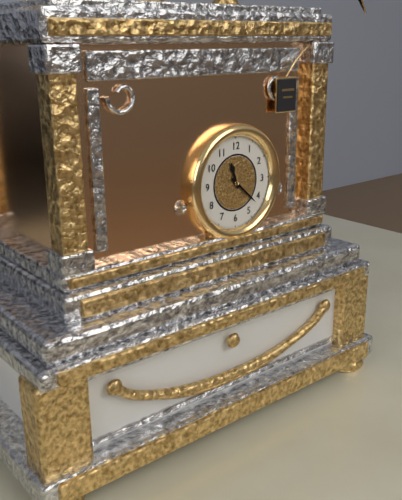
11:22
